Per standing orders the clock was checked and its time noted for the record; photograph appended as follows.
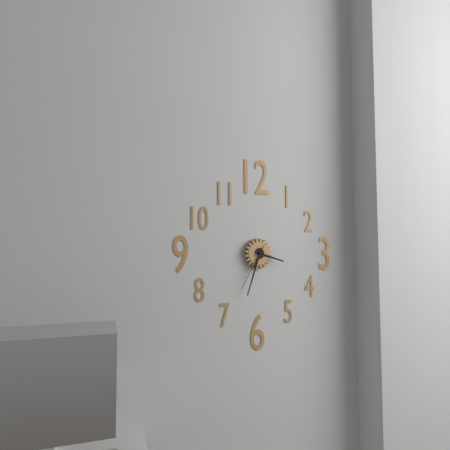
3:33
